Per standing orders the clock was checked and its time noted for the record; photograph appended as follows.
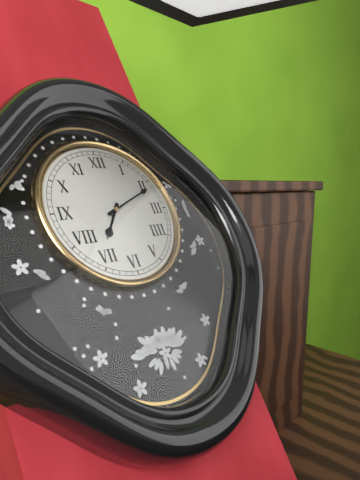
7:11
